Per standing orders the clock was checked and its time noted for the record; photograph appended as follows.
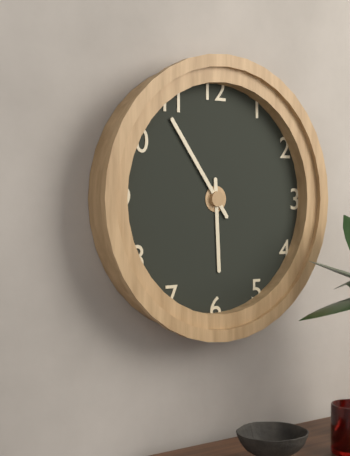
5:54
